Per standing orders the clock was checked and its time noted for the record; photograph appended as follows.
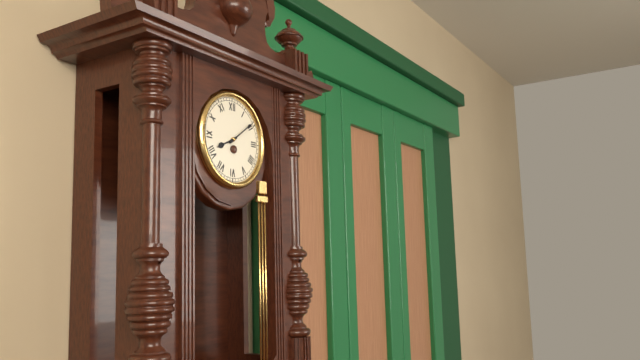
8:09
